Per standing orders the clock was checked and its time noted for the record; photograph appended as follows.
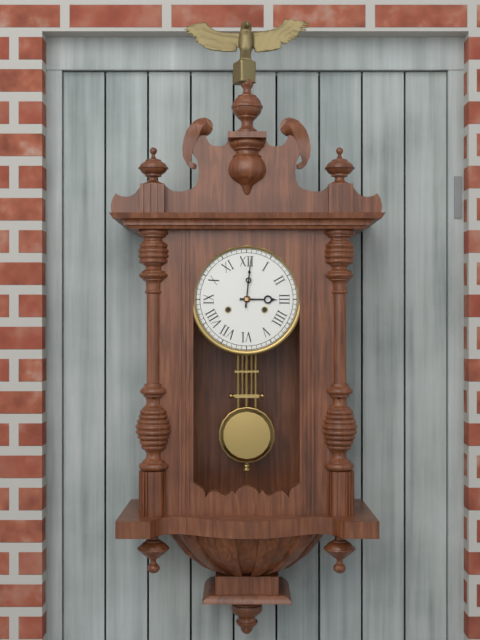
3:01
